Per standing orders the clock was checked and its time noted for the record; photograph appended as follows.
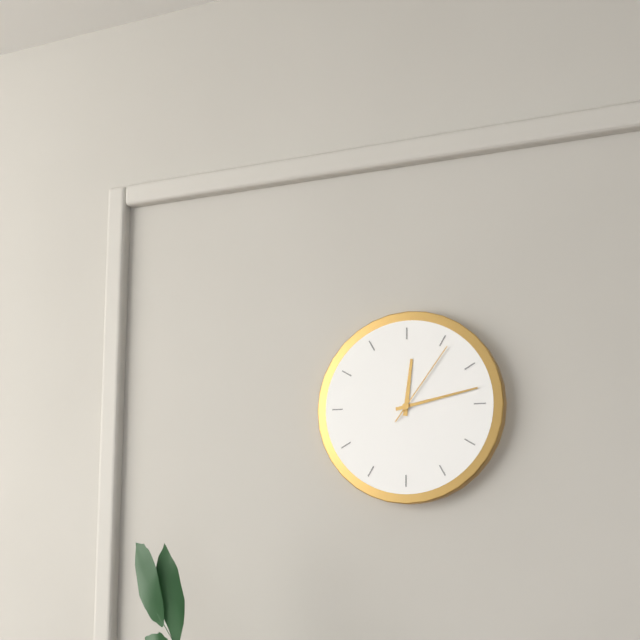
12:13:06
